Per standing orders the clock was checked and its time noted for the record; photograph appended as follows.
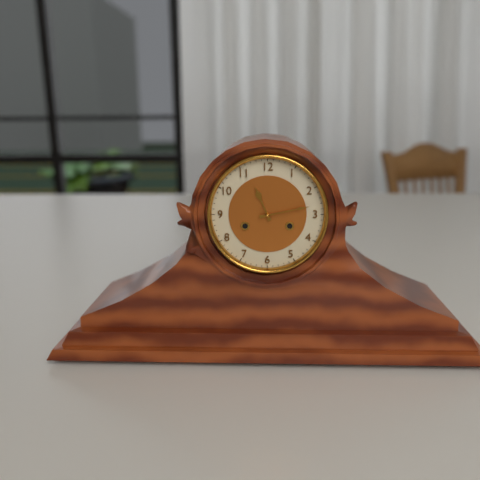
11:13
